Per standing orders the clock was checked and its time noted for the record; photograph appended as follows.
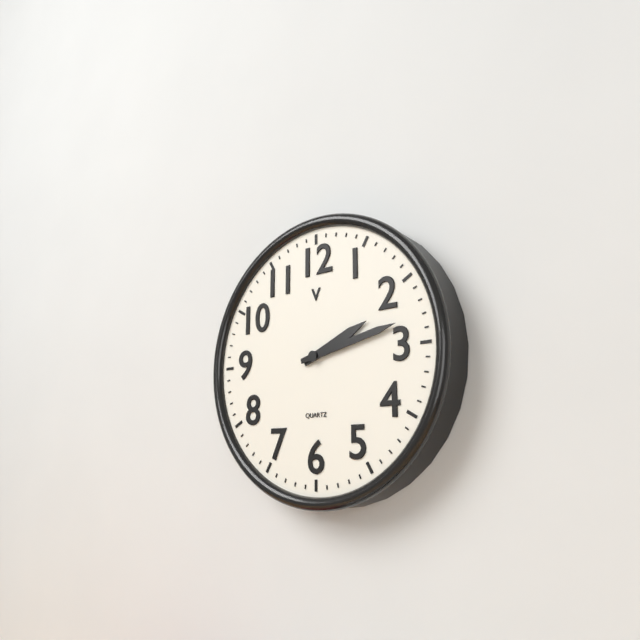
2:13
